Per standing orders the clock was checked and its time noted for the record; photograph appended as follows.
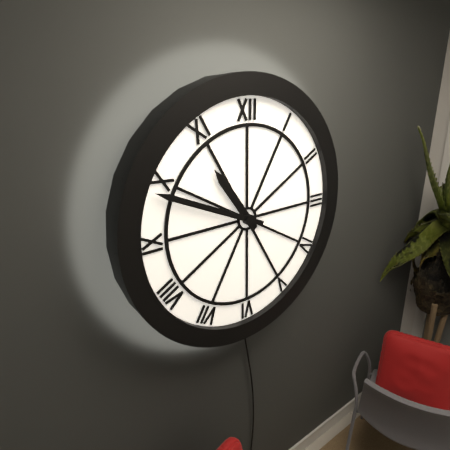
10:49
